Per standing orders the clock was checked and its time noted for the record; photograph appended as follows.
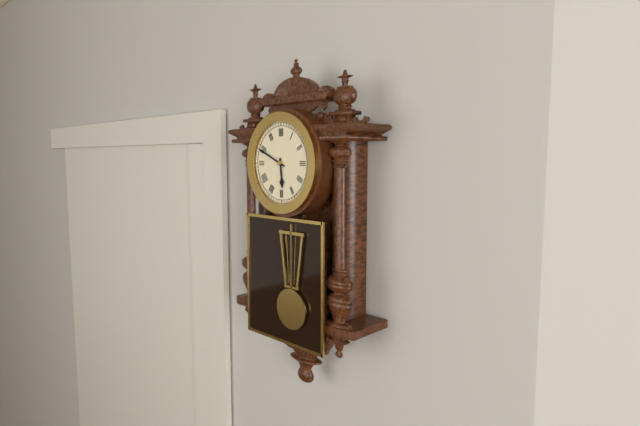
5:49
